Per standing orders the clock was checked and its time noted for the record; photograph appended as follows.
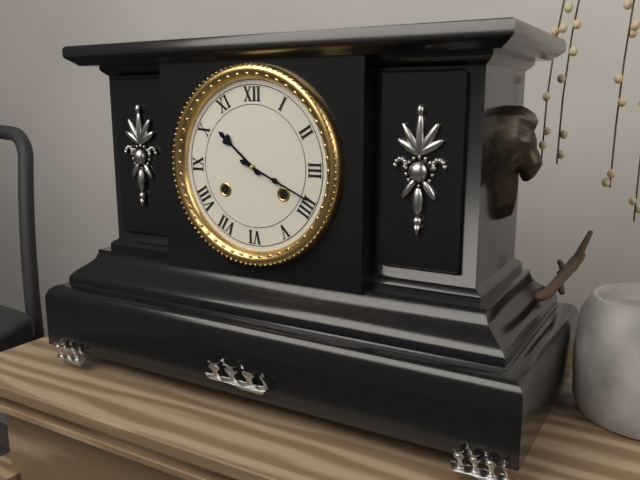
10:19
